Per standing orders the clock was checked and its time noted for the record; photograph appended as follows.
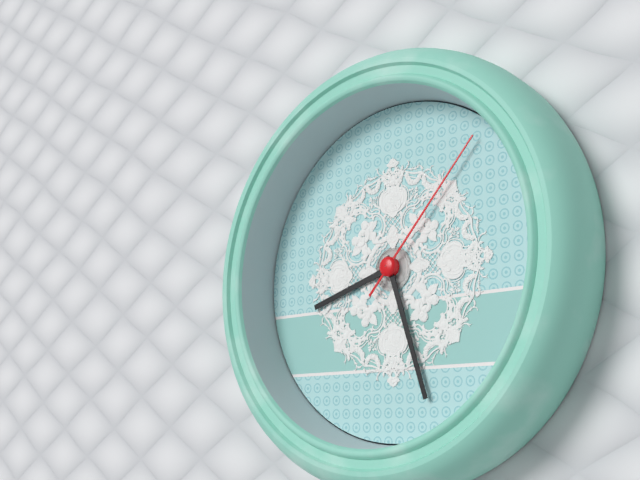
8:27:07
